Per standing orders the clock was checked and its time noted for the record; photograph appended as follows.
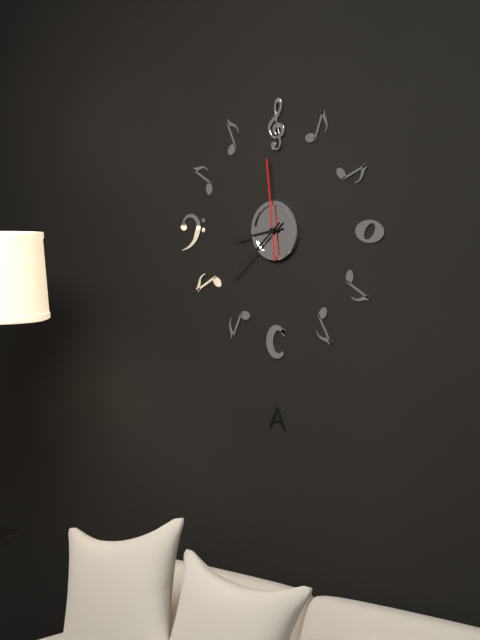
8:38:59
